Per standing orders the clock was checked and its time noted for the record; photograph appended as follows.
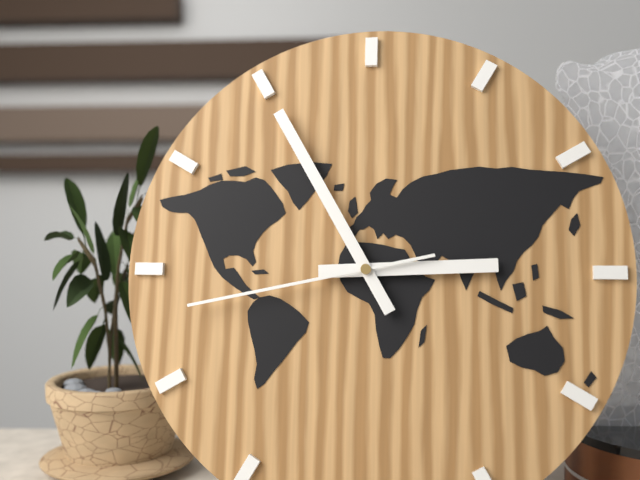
2:55:43
